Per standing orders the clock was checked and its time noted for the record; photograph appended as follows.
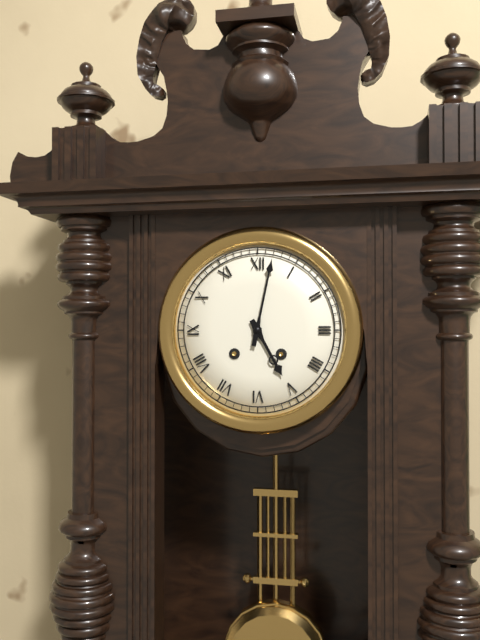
5:02
